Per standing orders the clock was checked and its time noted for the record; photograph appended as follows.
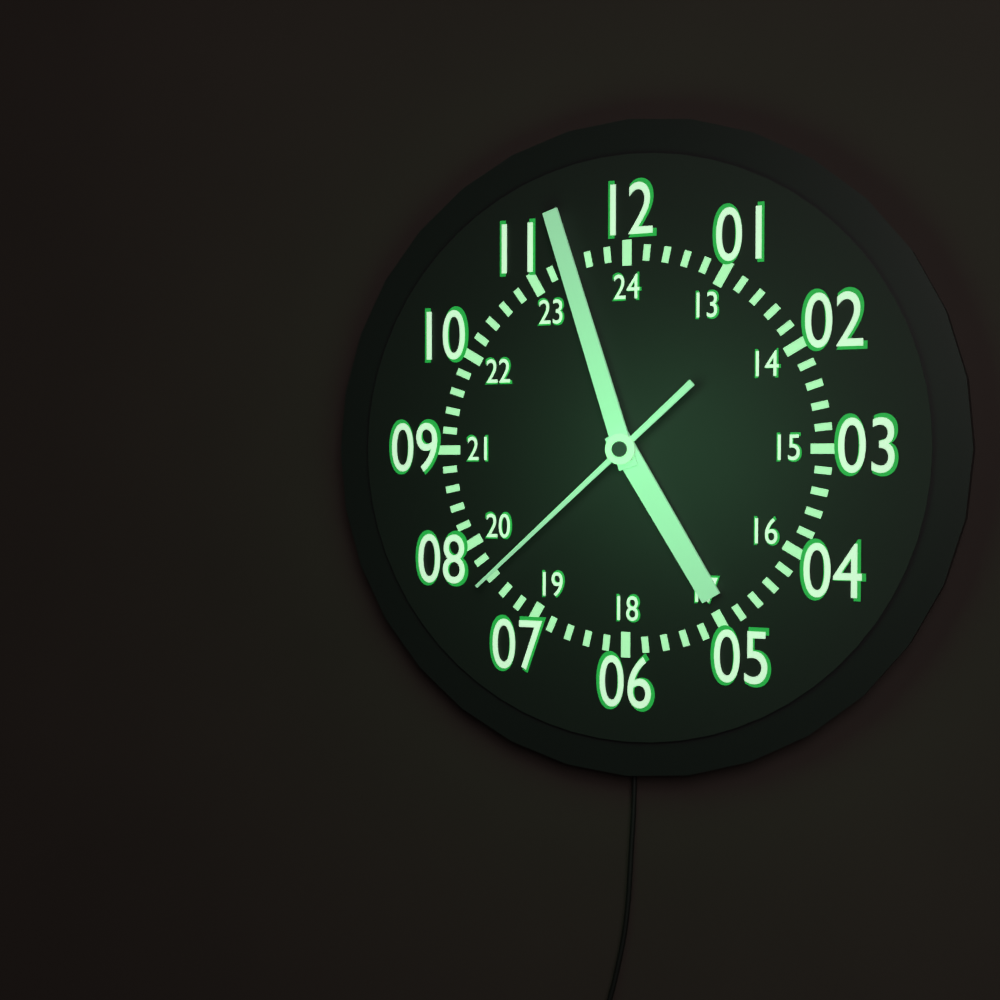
4:57:38
